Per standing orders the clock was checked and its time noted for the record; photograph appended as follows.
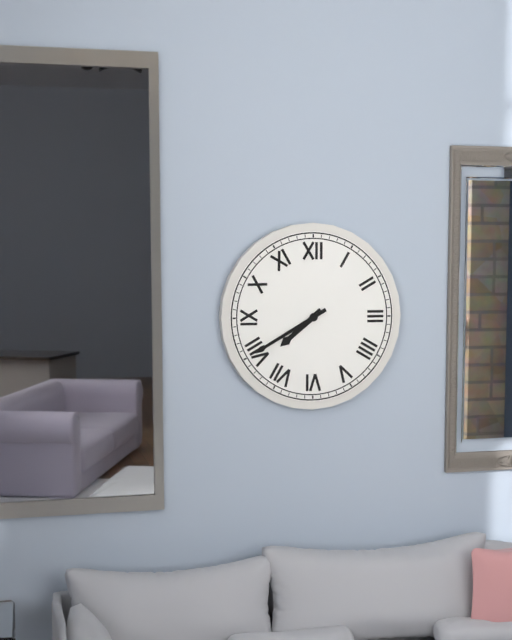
7:40
